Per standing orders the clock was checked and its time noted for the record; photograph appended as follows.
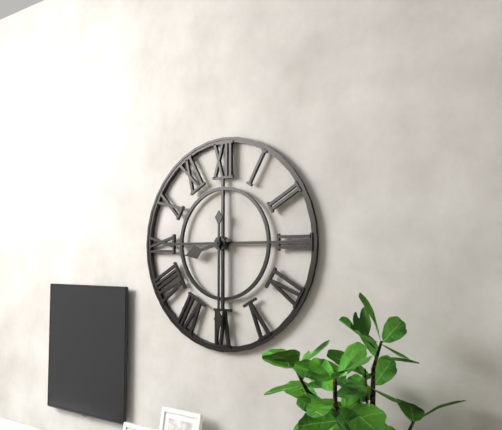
8:30
